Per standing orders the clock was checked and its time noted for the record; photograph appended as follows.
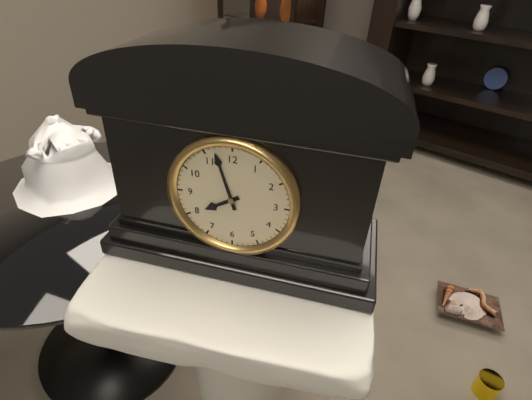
7:57
